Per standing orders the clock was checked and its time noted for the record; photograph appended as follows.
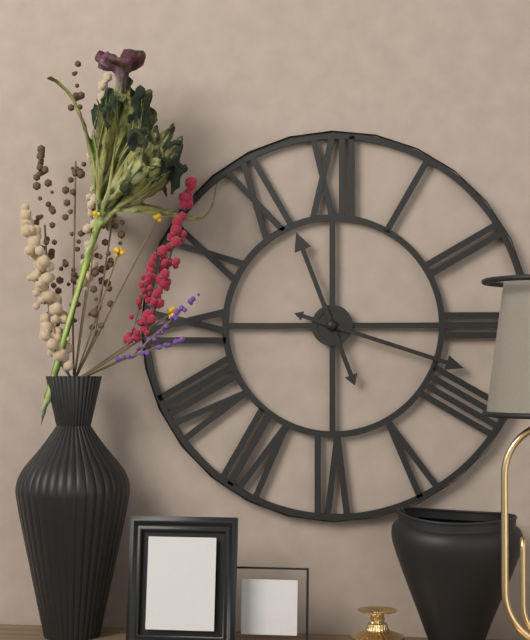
11:18
